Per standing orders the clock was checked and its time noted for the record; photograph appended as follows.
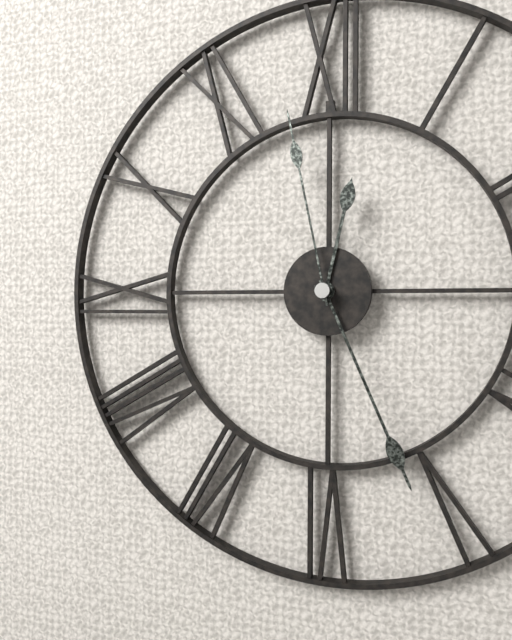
12:26:58
